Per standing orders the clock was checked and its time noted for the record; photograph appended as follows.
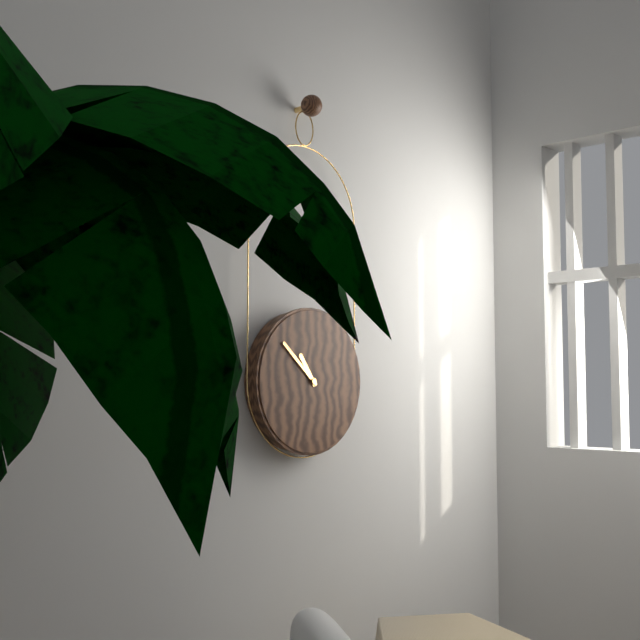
10:52
